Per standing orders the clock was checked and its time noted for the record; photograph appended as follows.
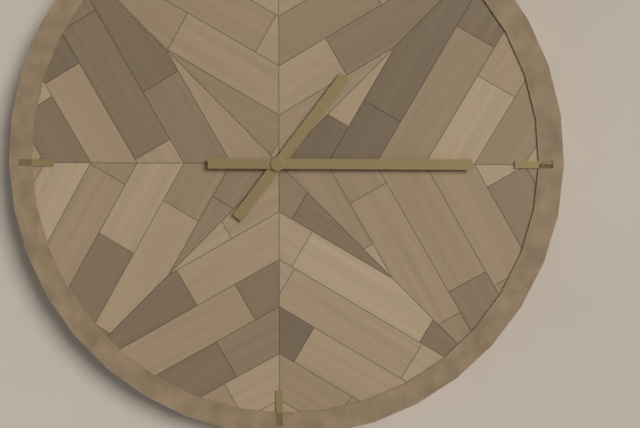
1:15
